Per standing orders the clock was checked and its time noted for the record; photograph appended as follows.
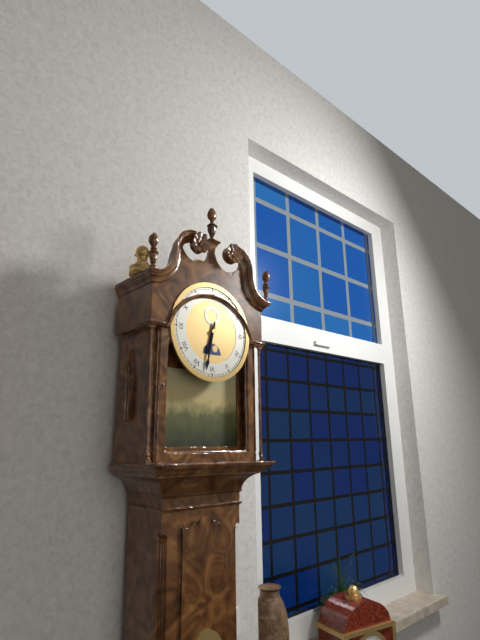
6:32
